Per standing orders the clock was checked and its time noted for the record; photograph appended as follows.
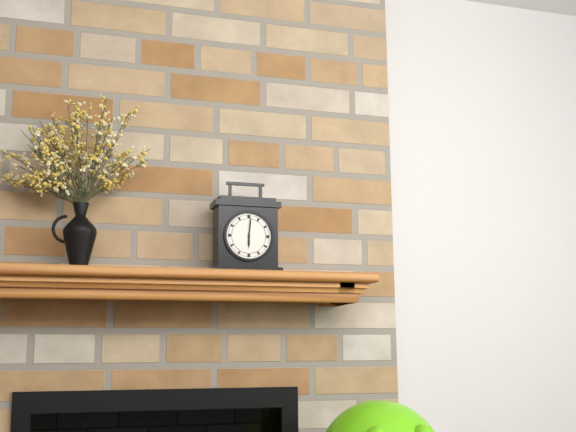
6:01
